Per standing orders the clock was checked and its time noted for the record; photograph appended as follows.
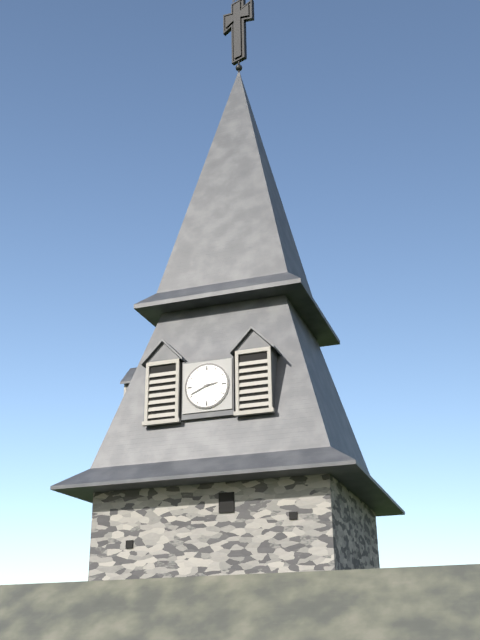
2:41
